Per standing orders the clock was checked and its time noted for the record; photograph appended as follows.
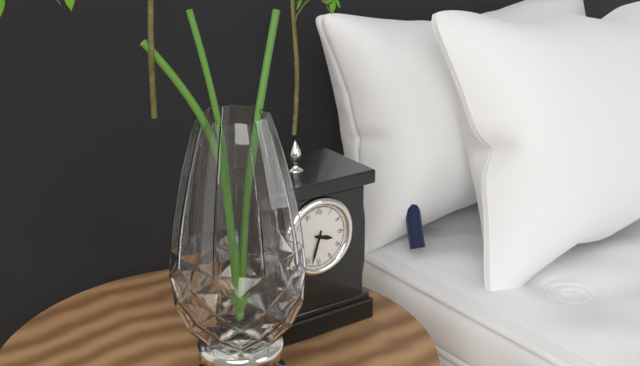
3:33
